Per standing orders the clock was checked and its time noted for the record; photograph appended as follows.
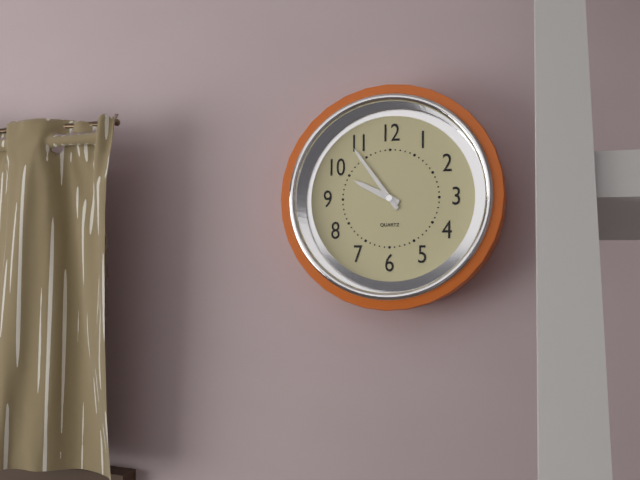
9:54
